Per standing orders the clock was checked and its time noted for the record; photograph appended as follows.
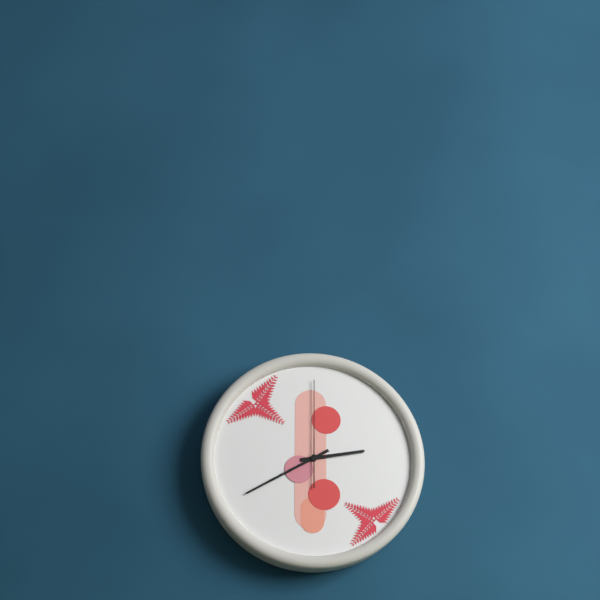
2:40:00
